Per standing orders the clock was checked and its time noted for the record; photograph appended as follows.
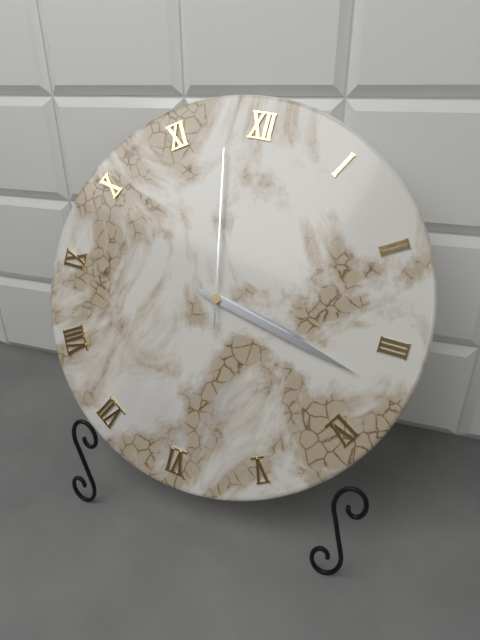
3:17:58
